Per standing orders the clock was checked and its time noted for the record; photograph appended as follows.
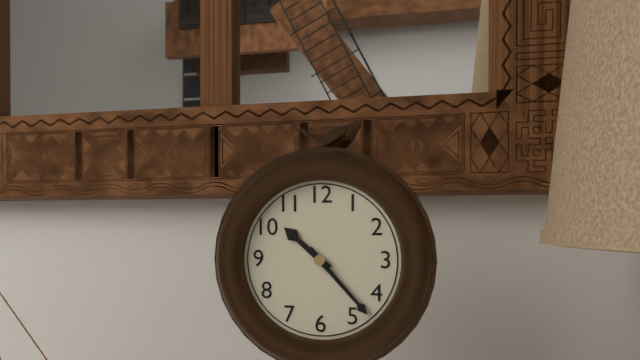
10:23
